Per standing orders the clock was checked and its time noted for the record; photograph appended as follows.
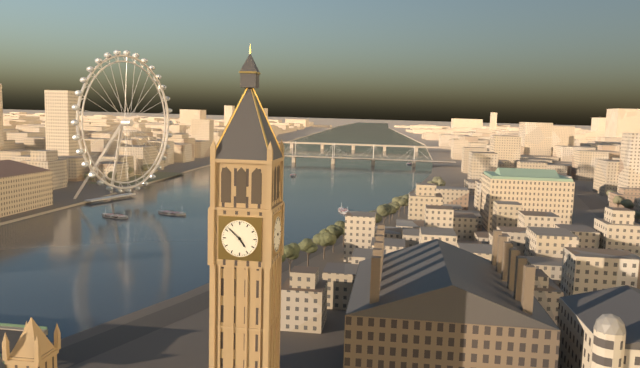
4:52
